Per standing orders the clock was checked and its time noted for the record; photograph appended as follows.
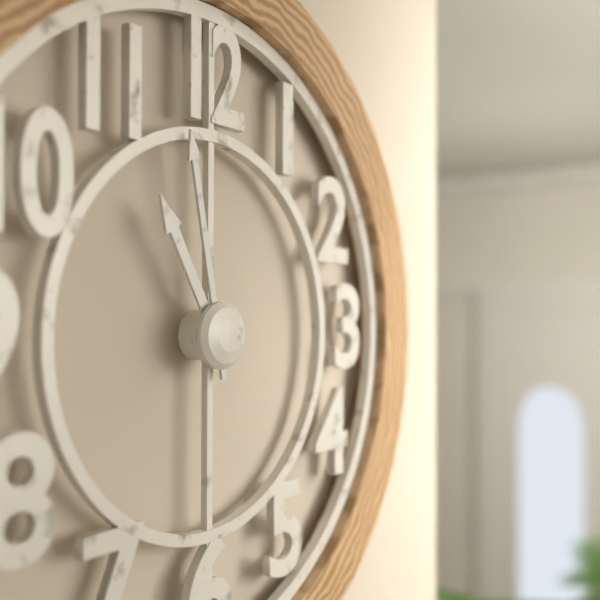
10:58
